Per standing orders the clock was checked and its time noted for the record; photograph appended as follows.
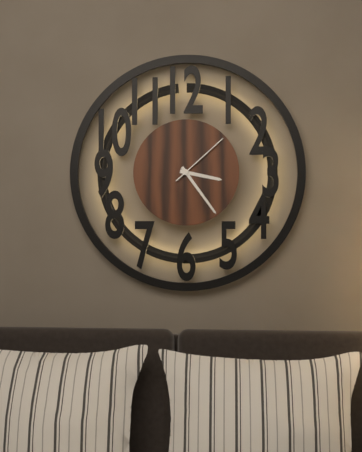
3:24:08
